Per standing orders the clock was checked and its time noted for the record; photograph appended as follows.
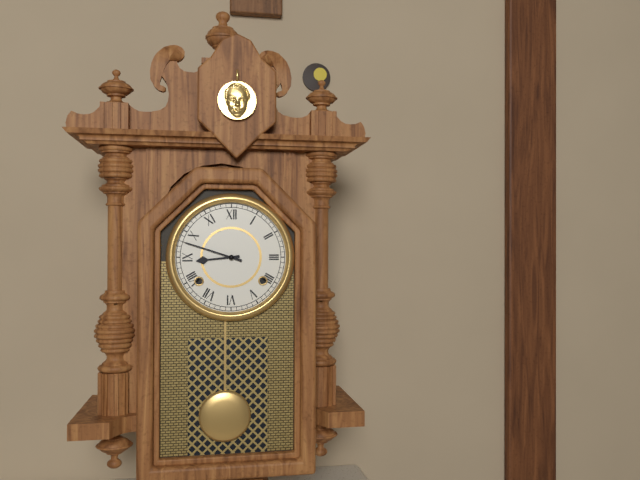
8:48
